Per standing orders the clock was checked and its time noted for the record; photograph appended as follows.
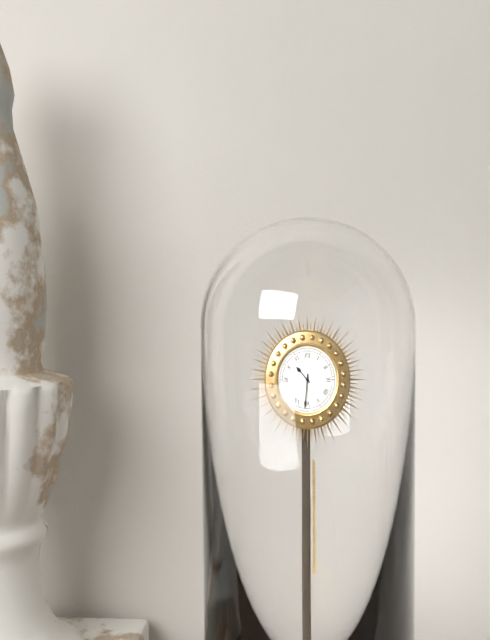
10:31
